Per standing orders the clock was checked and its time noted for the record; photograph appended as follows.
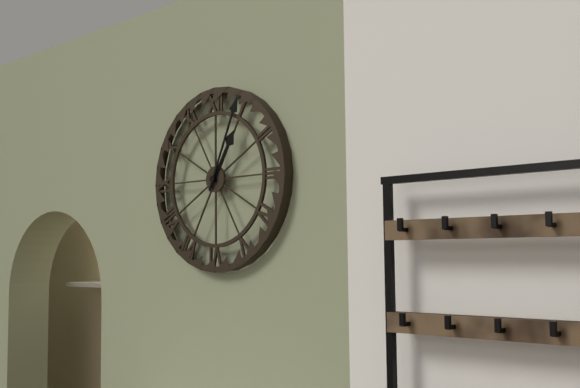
1:04
